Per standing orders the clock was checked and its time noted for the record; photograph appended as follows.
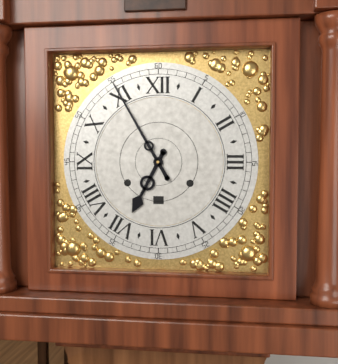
6:55
